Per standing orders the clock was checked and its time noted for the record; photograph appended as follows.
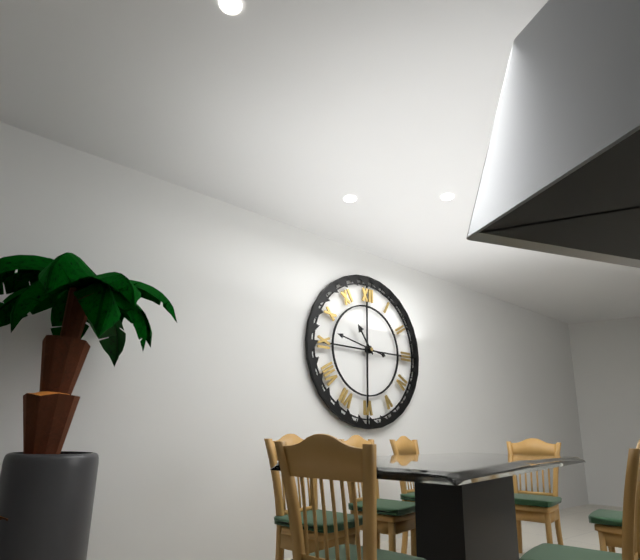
10:47
